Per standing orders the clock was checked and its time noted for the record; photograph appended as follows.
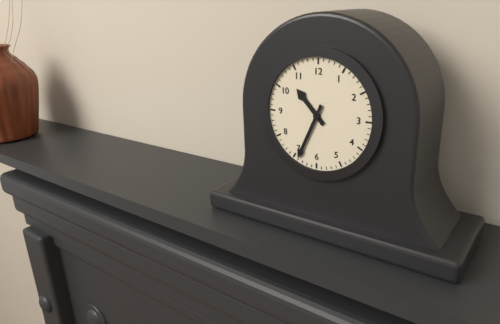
10:34
